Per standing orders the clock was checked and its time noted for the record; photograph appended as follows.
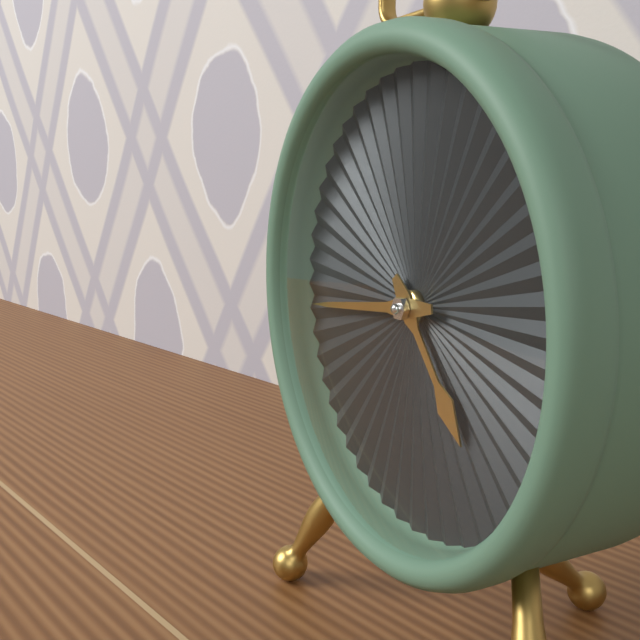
4:44
